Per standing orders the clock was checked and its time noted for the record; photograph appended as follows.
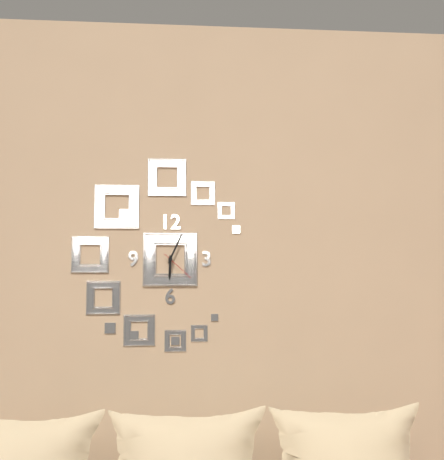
6:04
